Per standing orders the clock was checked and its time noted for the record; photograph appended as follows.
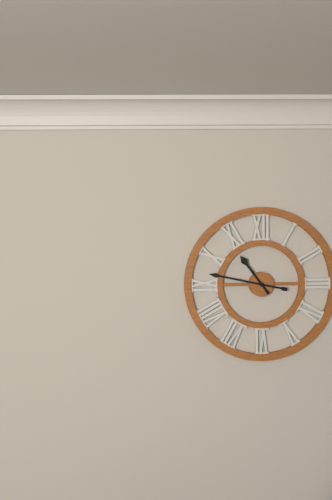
10:47
